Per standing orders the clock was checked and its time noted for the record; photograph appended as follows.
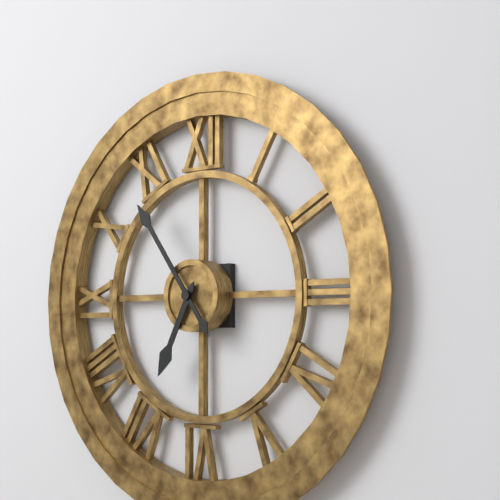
6:54
